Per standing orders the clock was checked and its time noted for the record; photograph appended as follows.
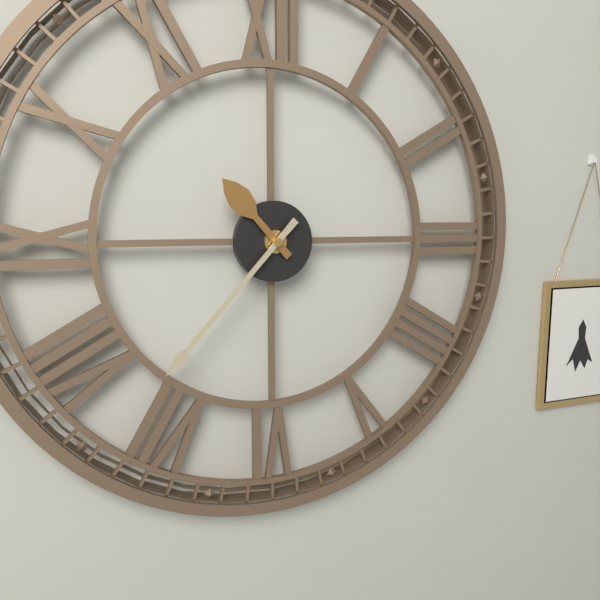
10:37
